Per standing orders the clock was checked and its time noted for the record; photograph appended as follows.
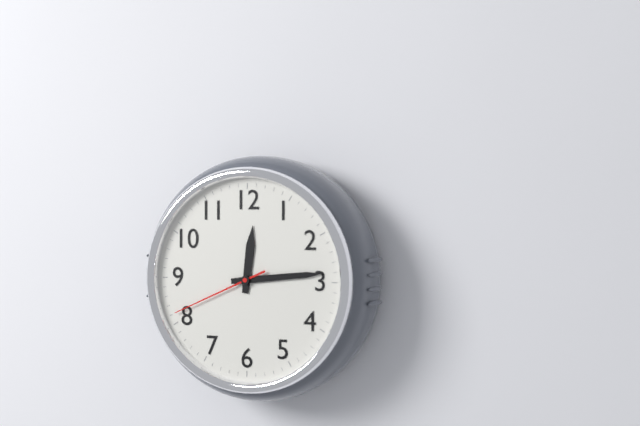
12:14:41
